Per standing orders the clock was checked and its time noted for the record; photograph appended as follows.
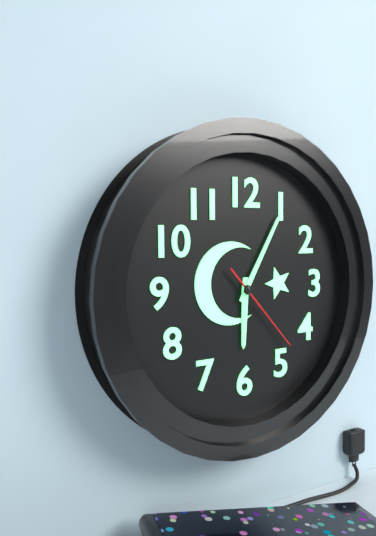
6:05:23
